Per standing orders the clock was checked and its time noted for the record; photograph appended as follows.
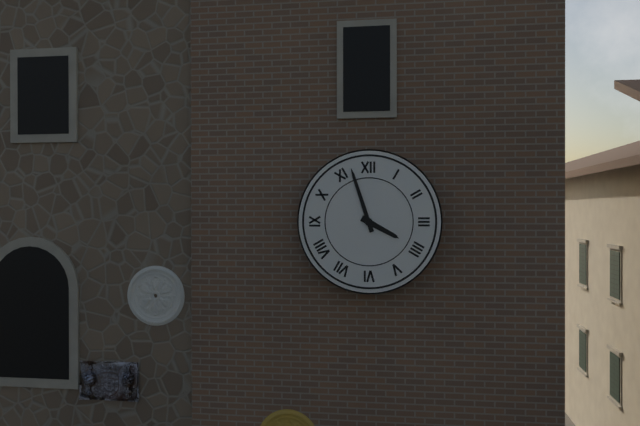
3:57
